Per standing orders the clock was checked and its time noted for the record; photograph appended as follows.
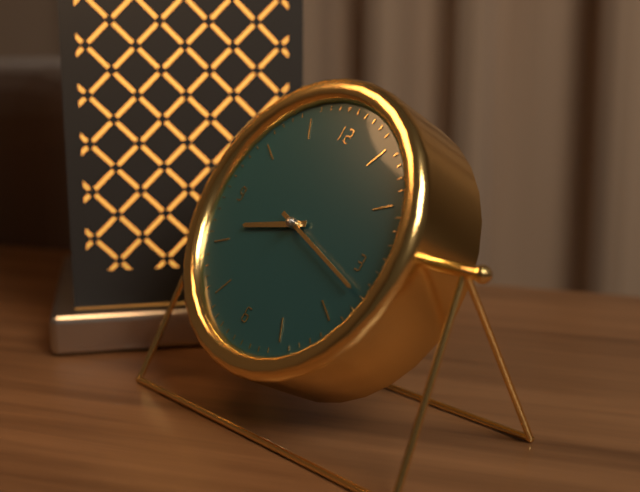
8:17
